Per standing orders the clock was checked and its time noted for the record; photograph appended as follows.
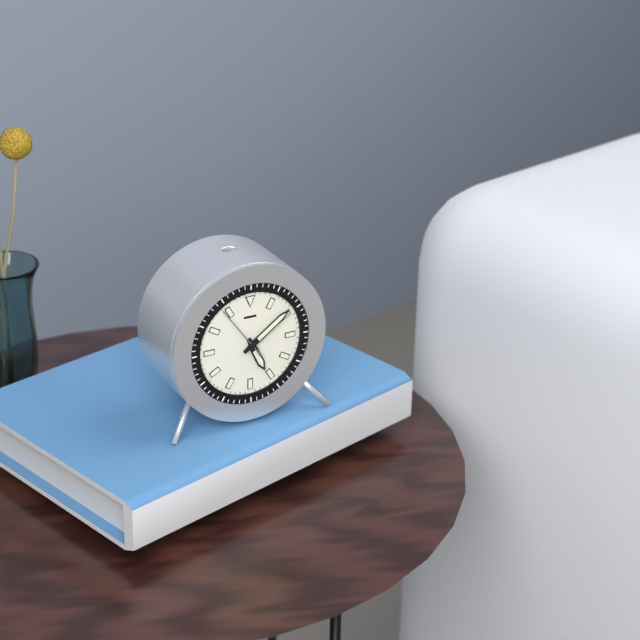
5:09:54
